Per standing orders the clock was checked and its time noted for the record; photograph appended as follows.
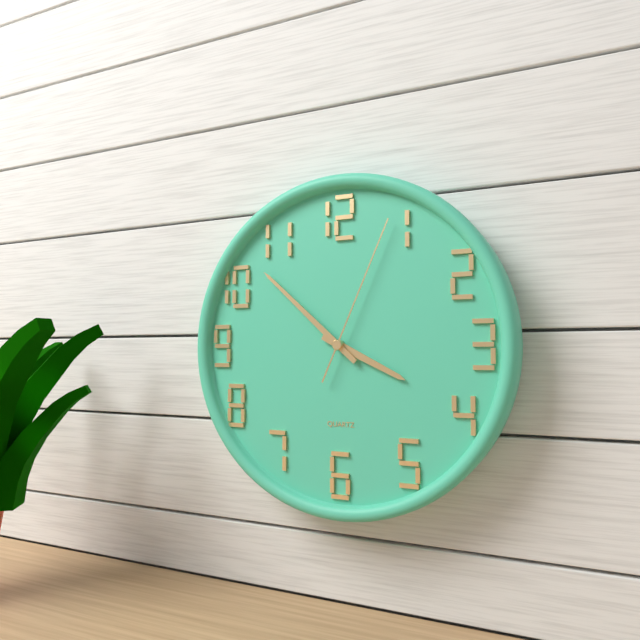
3:52:04
